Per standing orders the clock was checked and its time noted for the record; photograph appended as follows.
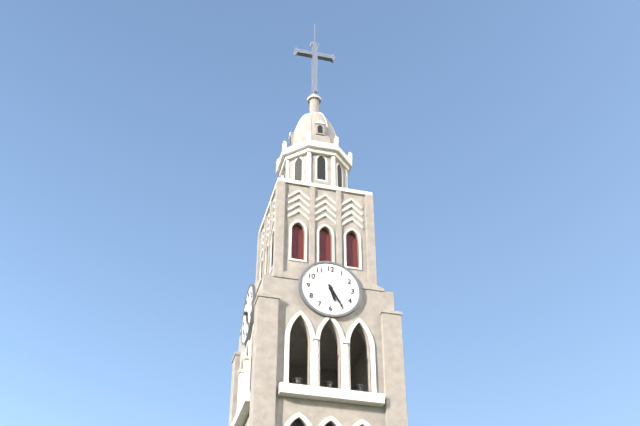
5:25
